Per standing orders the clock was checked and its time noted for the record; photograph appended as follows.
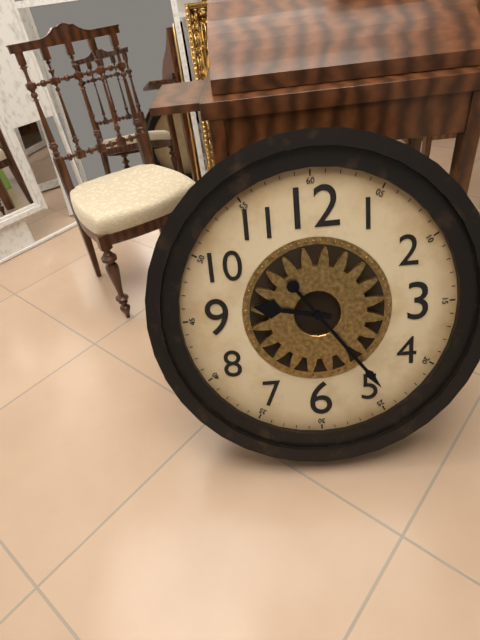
9:24
